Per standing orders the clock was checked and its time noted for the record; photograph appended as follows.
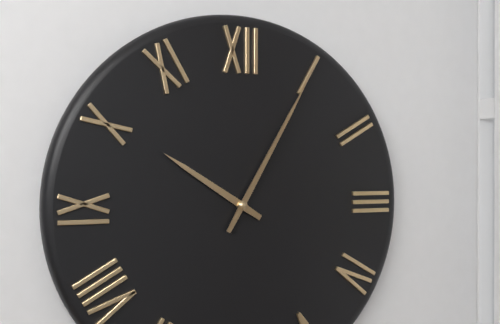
10:05
